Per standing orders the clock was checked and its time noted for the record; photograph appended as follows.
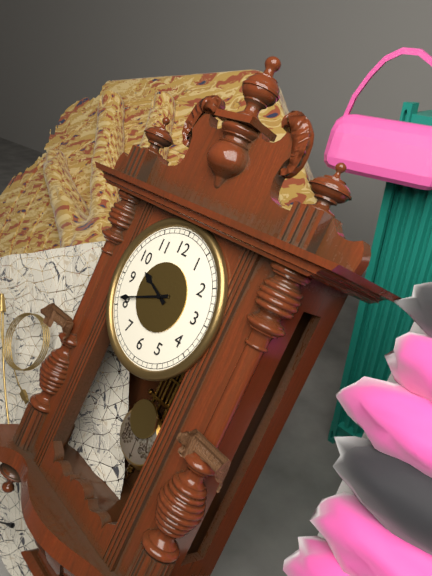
9:41
